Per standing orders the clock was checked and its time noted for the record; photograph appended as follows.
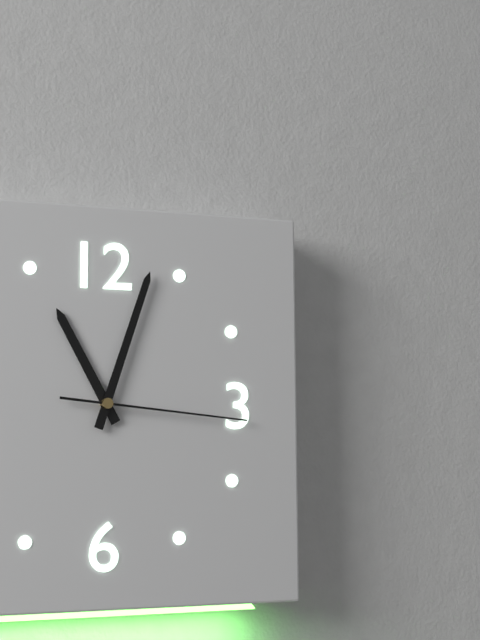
11:03:16
